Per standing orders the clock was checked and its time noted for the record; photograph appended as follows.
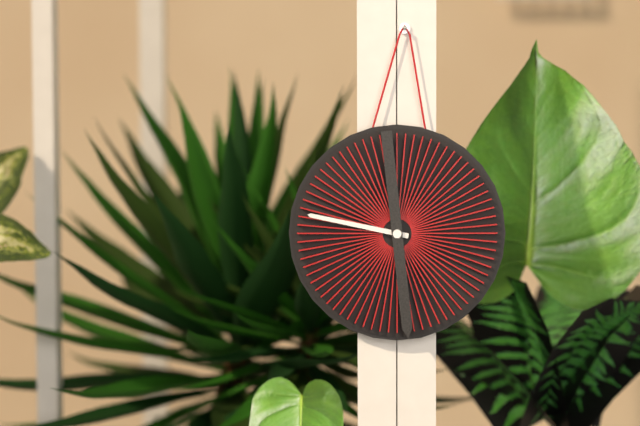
5:47:29
